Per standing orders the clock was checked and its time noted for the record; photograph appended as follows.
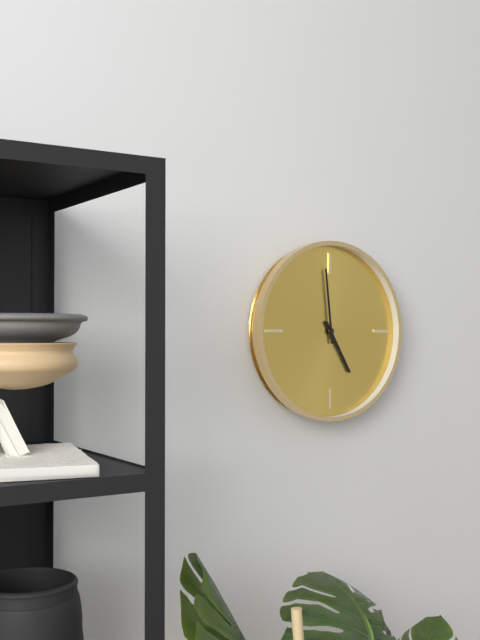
4:59
